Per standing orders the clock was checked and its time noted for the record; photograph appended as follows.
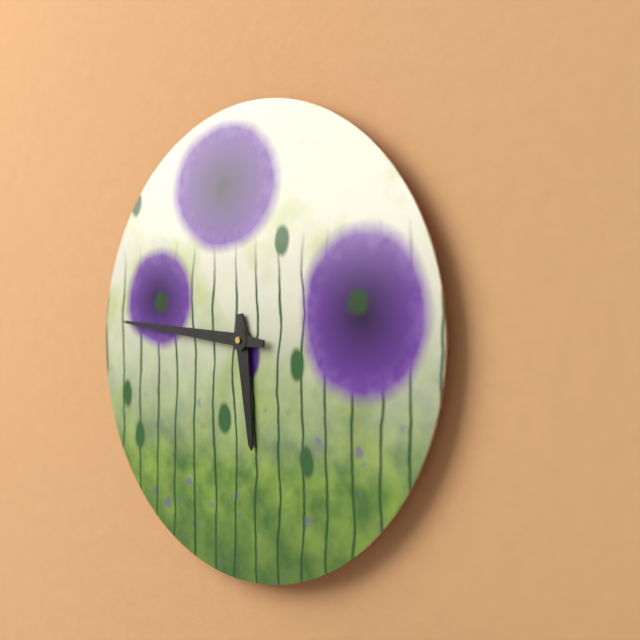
5:46
